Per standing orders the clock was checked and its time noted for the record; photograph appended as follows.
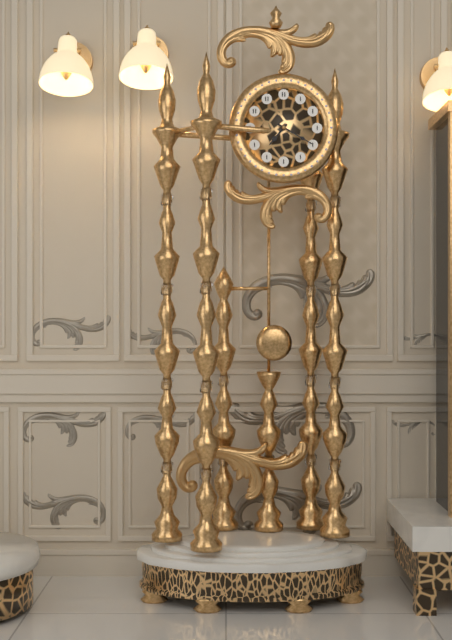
7:20
